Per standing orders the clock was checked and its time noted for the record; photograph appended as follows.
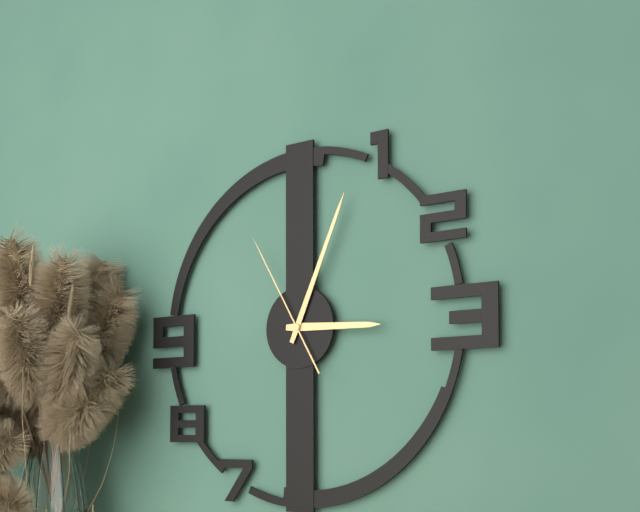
3:04:55
